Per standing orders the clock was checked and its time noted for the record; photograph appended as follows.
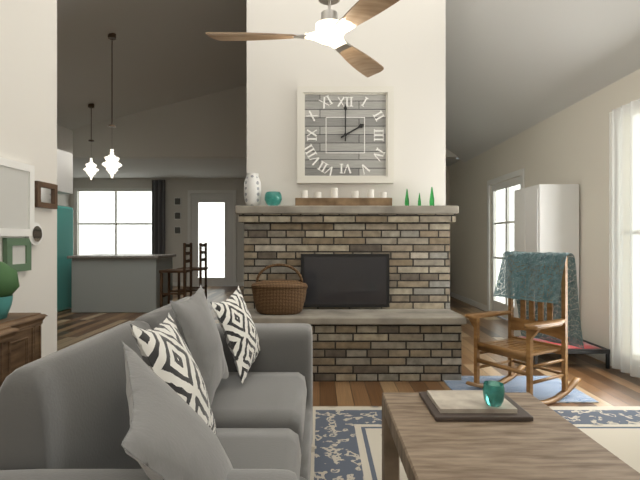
2:00
